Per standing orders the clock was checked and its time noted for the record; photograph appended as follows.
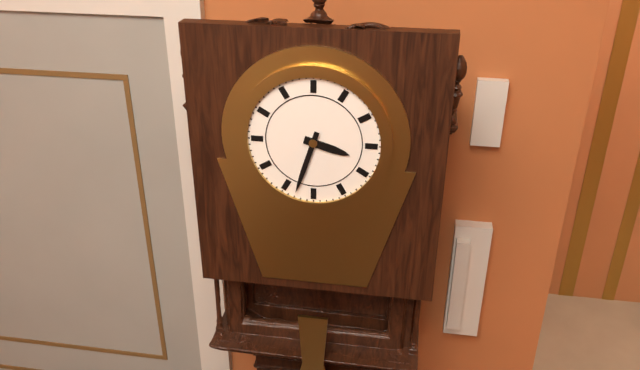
3:33
